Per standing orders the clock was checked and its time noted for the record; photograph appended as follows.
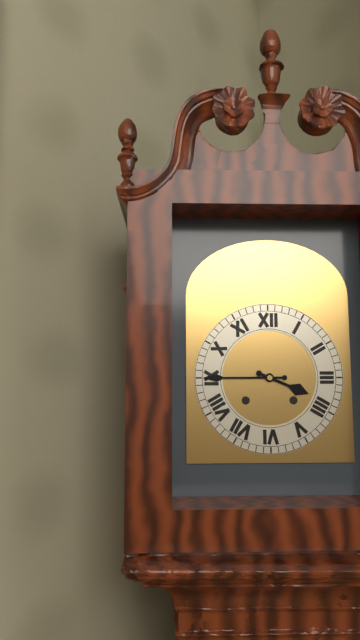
3:45
